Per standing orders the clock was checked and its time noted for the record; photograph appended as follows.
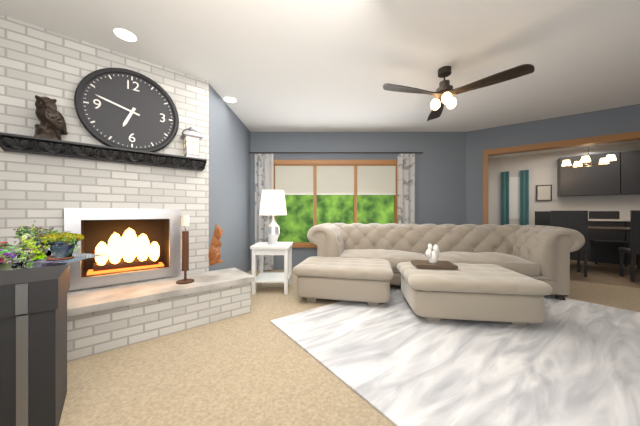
6:48
